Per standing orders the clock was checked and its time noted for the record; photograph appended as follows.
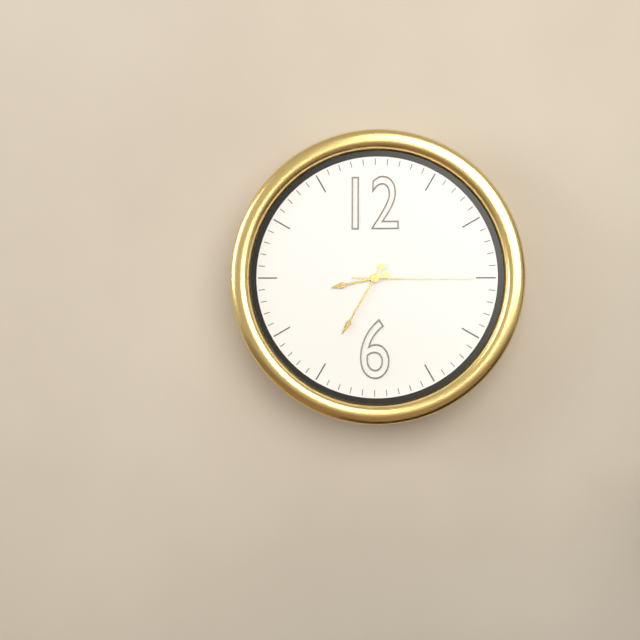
8:35:15
